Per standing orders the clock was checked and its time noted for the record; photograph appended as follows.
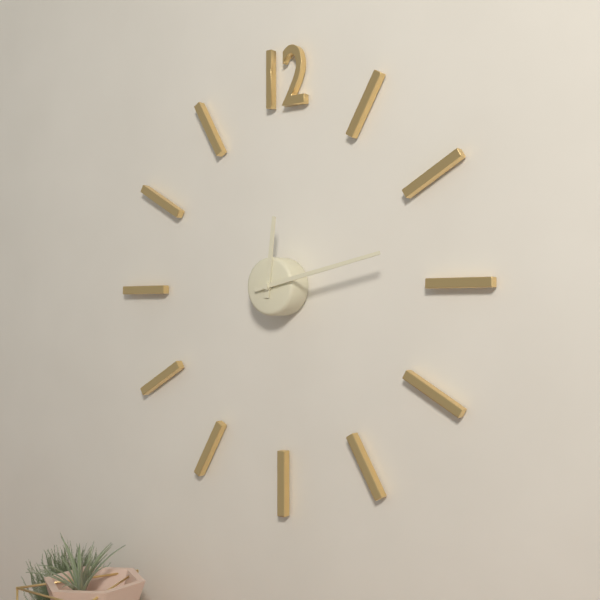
12:13
